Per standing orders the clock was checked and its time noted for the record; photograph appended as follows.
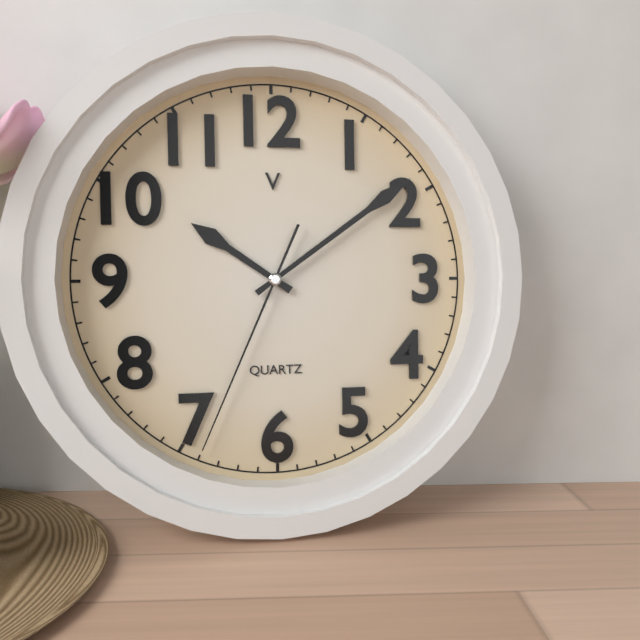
10:09:34
